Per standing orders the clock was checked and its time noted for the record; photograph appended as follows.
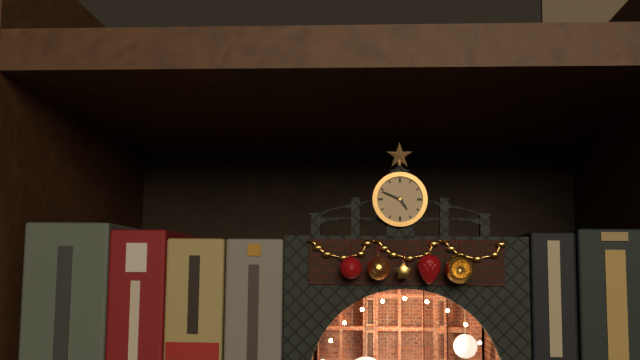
4:49
